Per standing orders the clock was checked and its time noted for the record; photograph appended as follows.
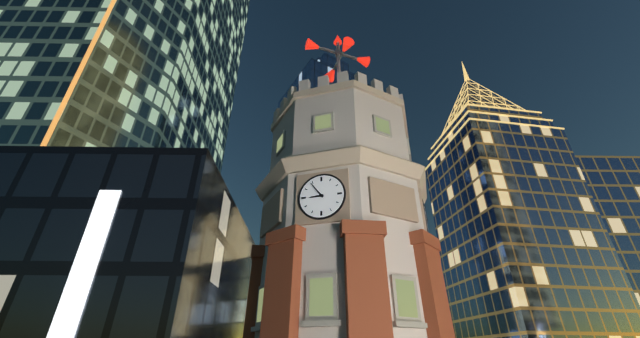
8:54
